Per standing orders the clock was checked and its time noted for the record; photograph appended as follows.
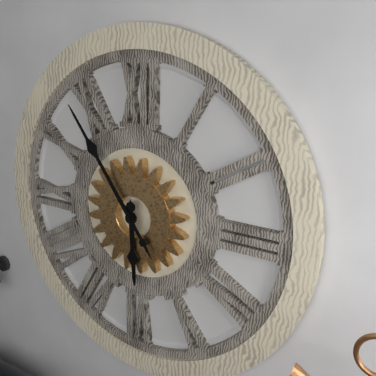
5:54
